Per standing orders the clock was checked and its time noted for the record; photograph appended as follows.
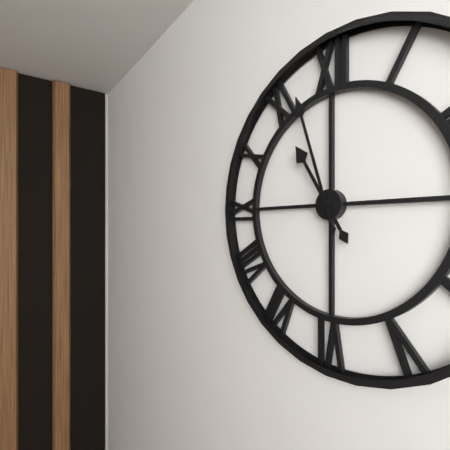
10:57
